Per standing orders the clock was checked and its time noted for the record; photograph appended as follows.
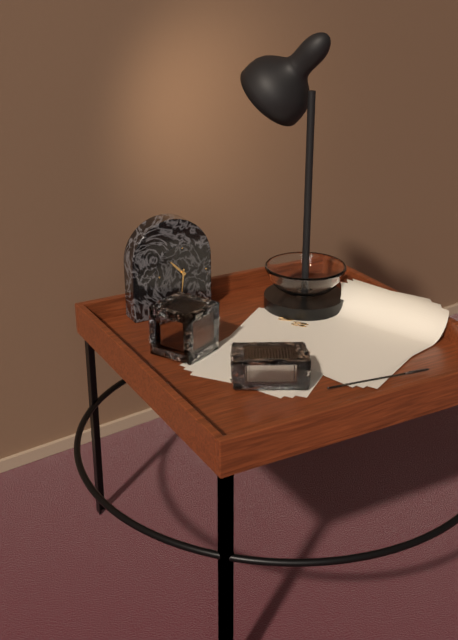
10:31
